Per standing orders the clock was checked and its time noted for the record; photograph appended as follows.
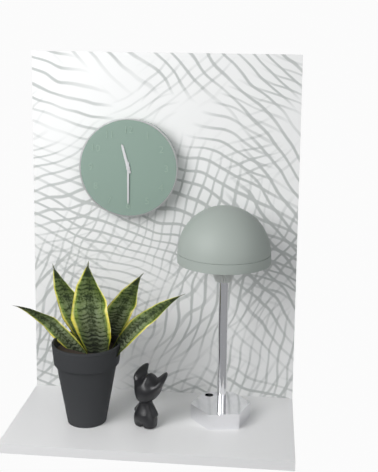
11:30
